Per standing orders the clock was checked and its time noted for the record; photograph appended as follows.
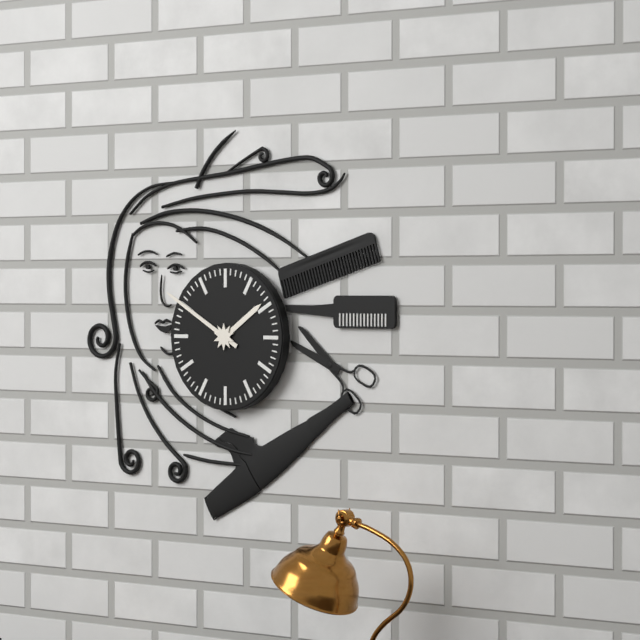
1:50
